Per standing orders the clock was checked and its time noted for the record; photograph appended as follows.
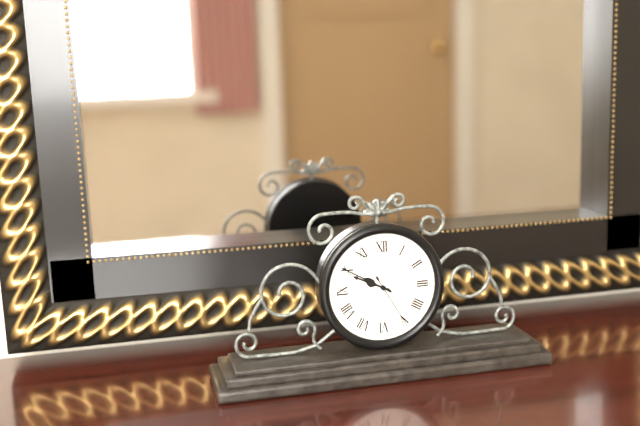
9:50:25
